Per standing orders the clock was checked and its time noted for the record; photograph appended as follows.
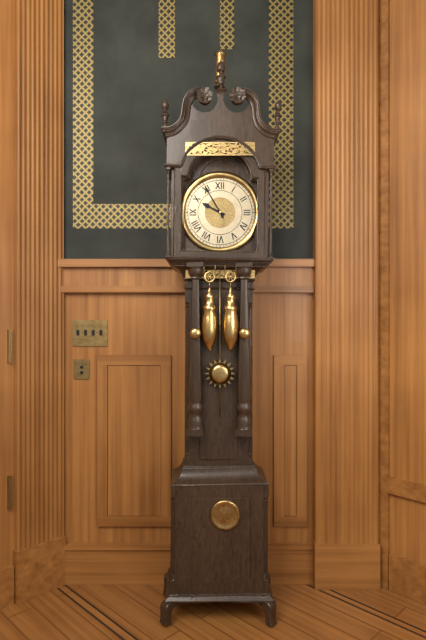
9:55
